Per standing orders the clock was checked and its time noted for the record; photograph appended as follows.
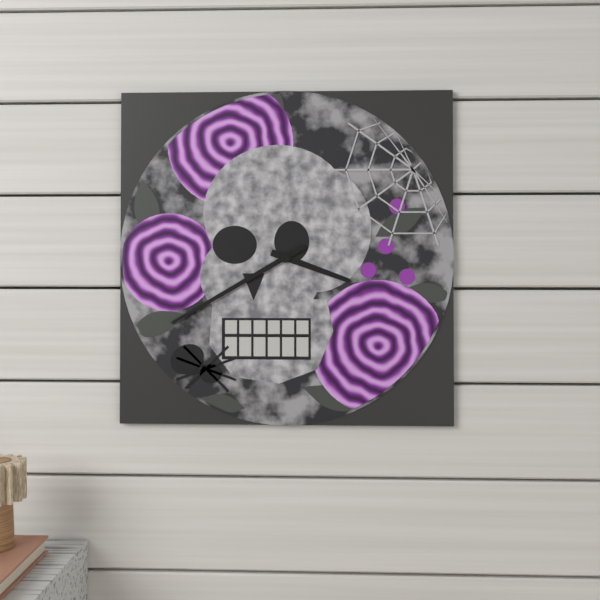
3:40
